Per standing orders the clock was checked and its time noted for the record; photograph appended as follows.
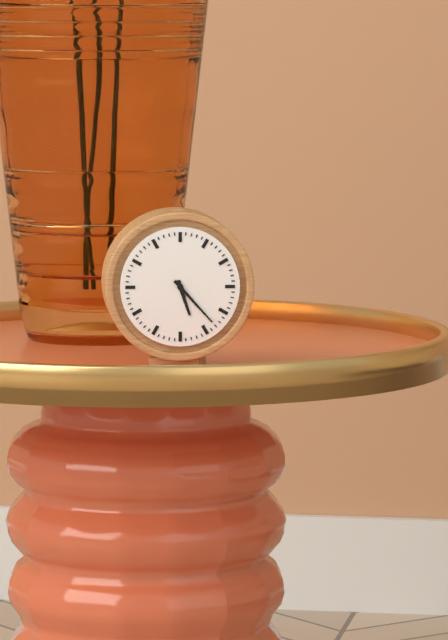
5:23
